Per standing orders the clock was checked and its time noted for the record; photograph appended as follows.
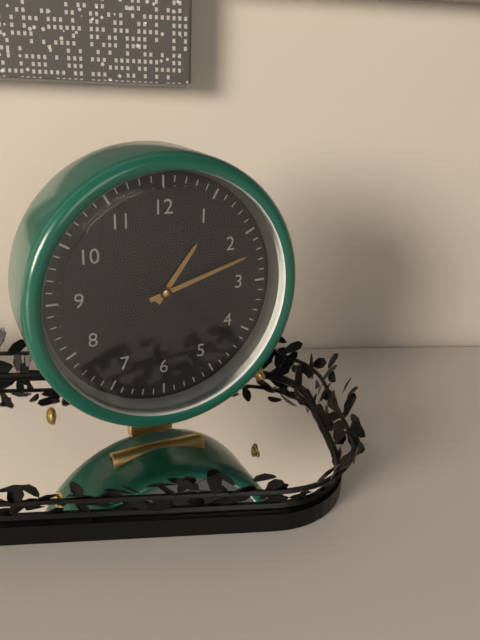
1:12:21
